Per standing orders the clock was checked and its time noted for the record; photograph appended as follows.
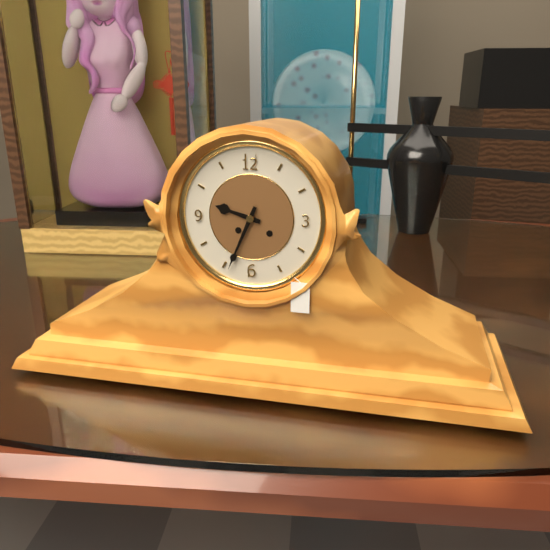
9:34
